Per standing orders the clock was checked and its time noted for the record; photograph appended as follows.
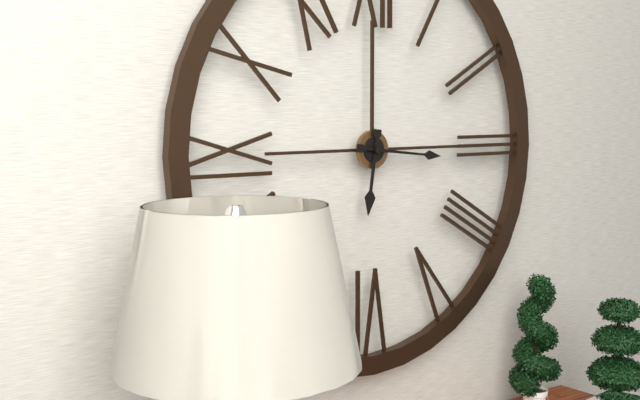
6:16
